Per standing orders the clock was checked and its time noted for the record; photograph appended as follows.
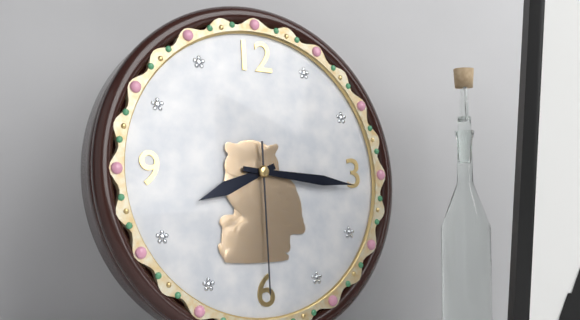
8:16:30
